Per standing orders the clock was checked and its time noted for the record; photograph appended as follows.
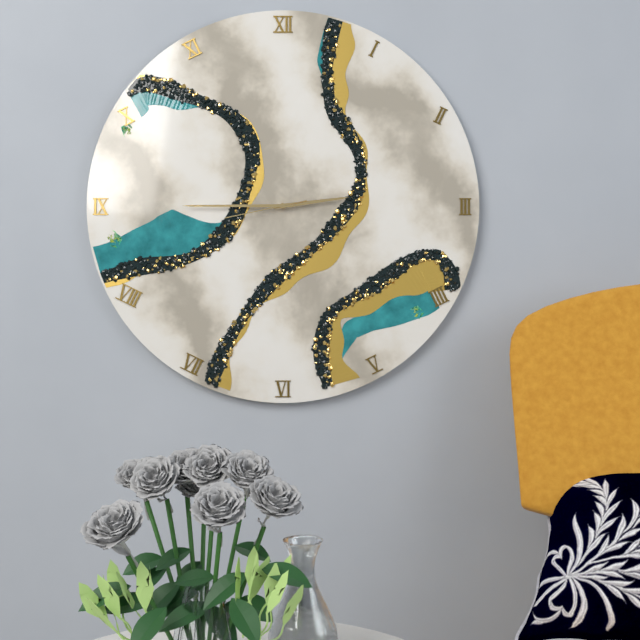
2:45:43
